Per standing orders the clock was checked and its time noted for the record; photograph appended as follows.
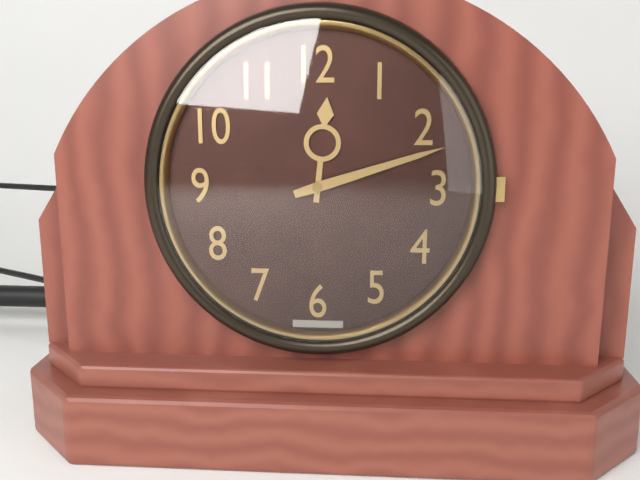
12:12
